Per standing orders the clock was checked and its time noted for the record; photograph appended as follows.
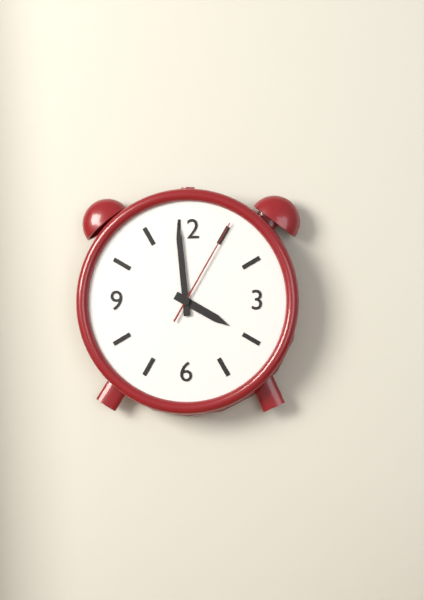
3:59:05
